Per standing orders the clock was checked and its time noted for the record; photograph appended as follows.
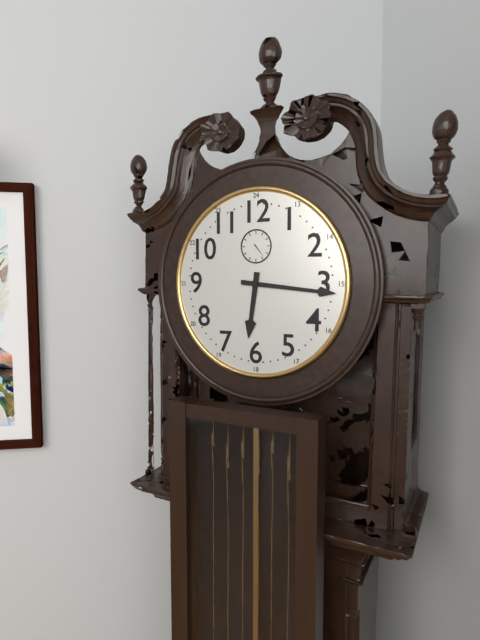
6:16
